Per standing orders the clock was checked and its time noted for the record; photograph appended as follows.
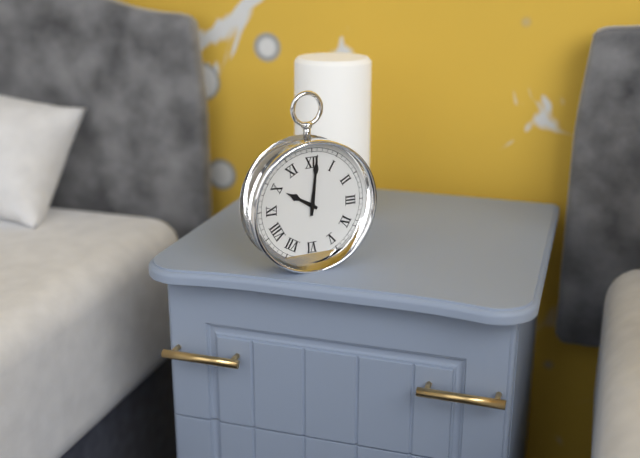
10:01
